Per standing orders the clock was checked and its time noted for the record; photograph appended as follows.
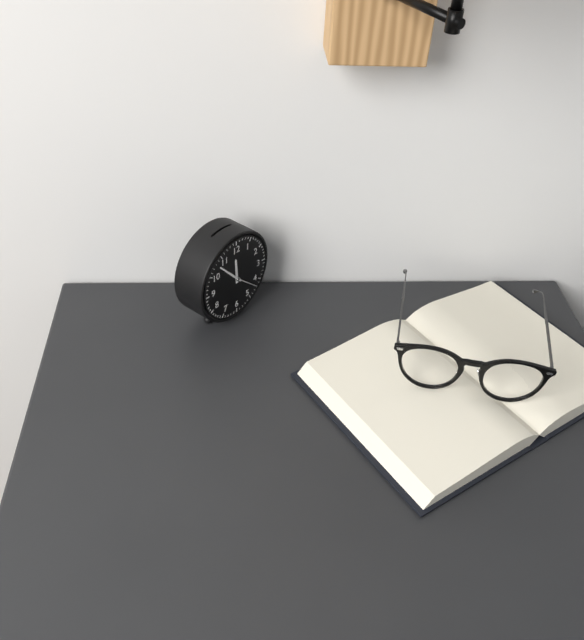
11:53
